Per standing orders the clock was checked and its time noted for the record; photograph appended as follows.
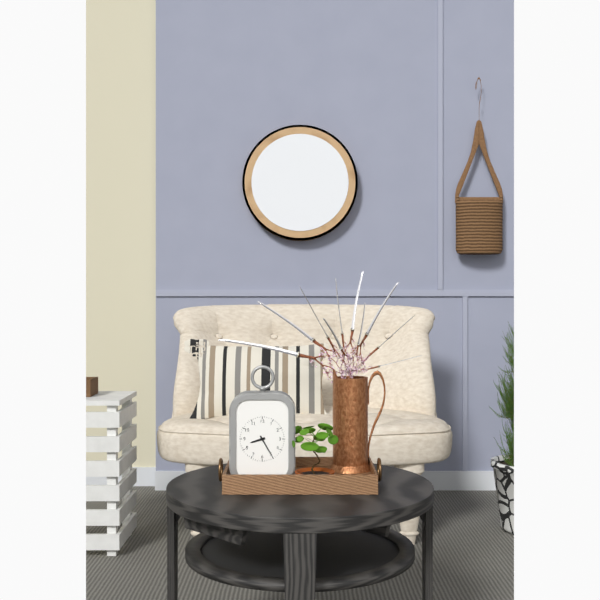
8:25
